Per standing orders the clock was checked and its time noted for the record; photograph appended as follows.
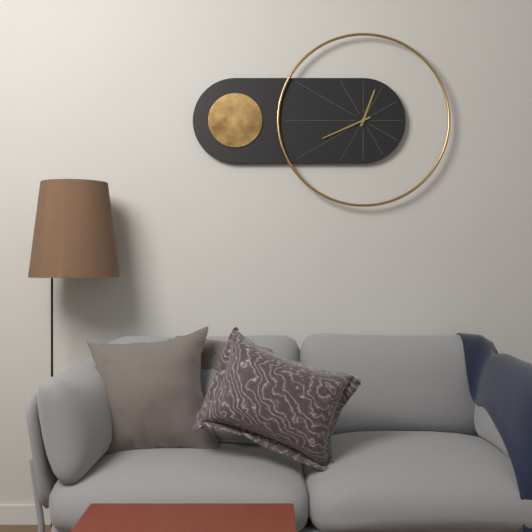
12:41
